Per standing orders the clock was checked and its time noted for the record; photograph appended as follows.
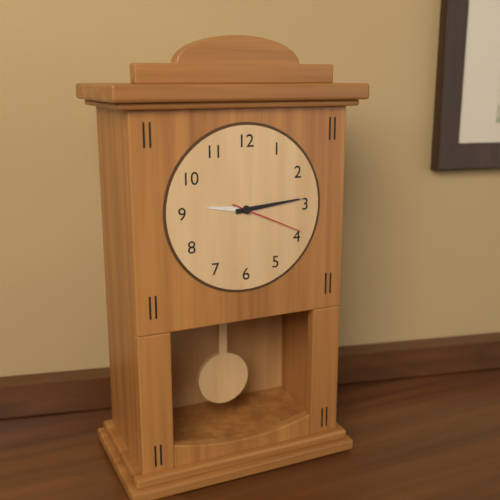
9:14:19
